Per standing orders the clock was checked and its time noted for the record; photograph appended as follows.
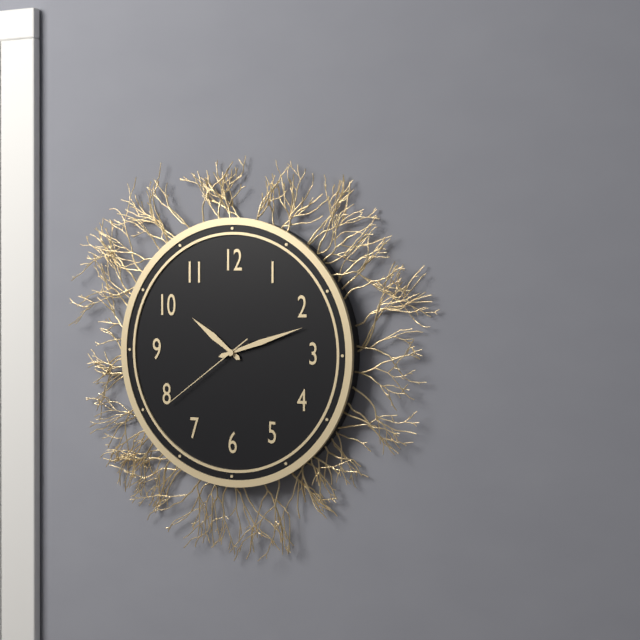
10:12:39
